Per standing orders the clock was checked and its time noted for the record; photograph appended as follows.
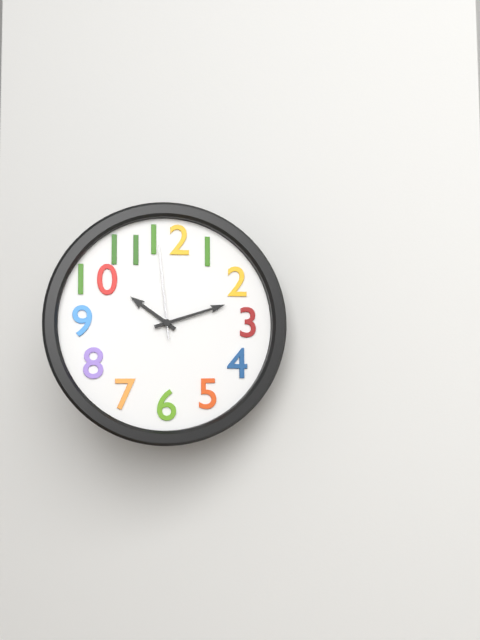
10:12:59
